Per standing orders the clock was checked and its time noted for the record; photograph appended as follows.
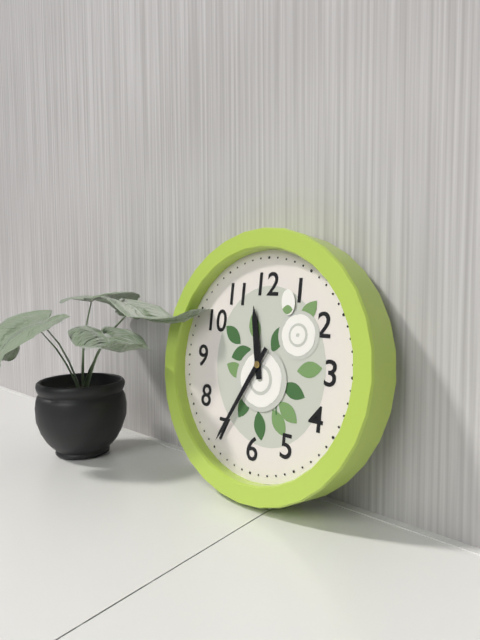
11:35
